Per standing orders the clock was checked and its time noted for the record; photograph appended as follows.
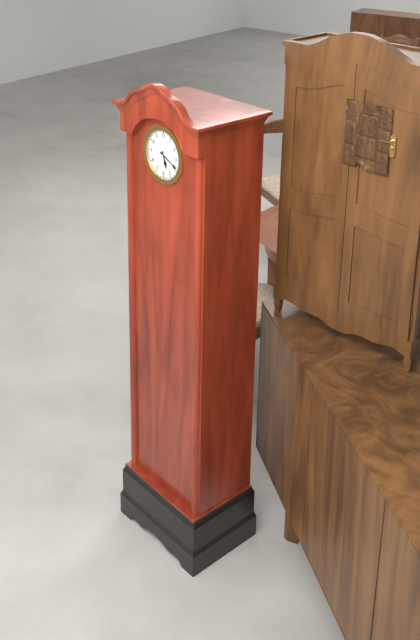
5:19
